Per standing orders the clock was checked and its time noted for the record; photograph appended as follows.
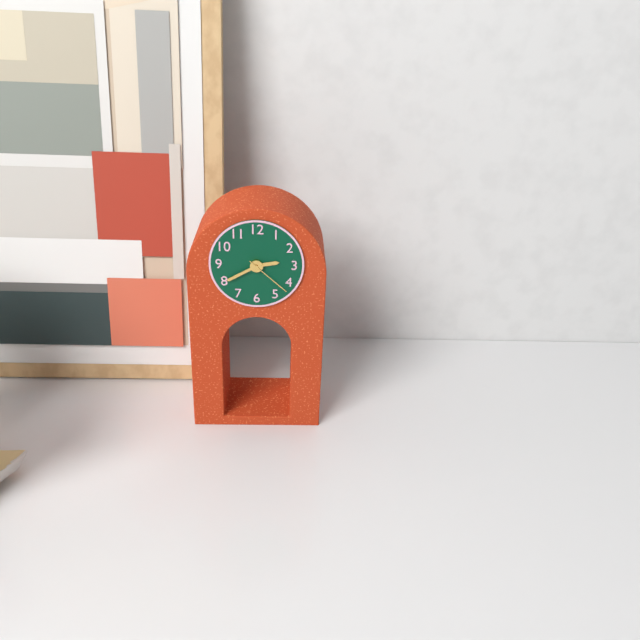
2:40
